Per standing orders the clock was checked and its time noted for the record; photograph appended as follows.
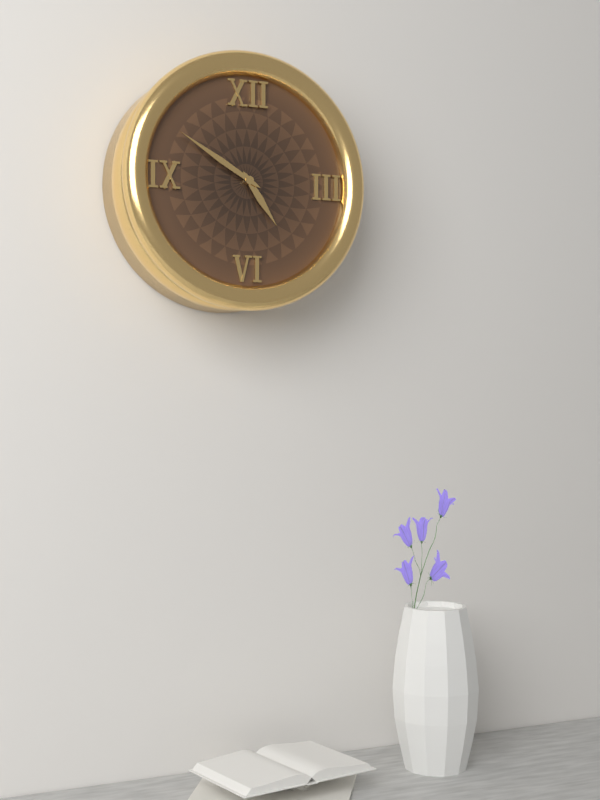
4:50
